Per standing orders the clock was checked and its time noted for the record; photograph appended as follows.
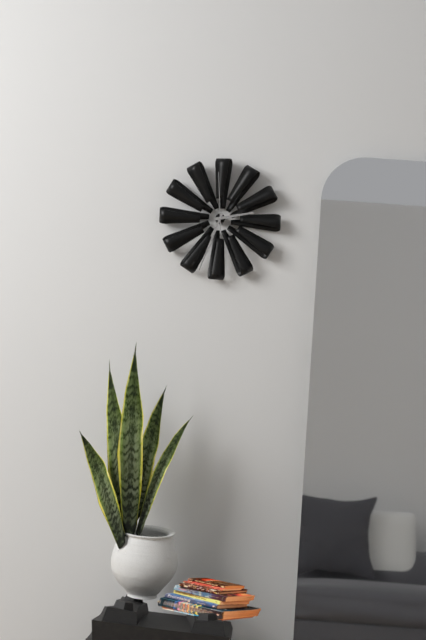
2:33:59
